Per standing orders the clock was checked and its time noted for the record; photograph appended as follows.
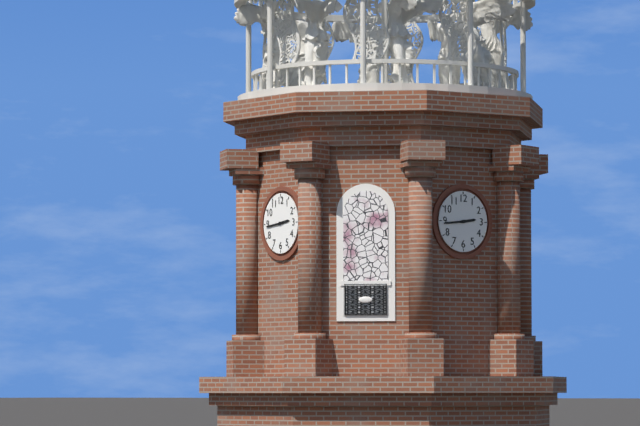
2:44
